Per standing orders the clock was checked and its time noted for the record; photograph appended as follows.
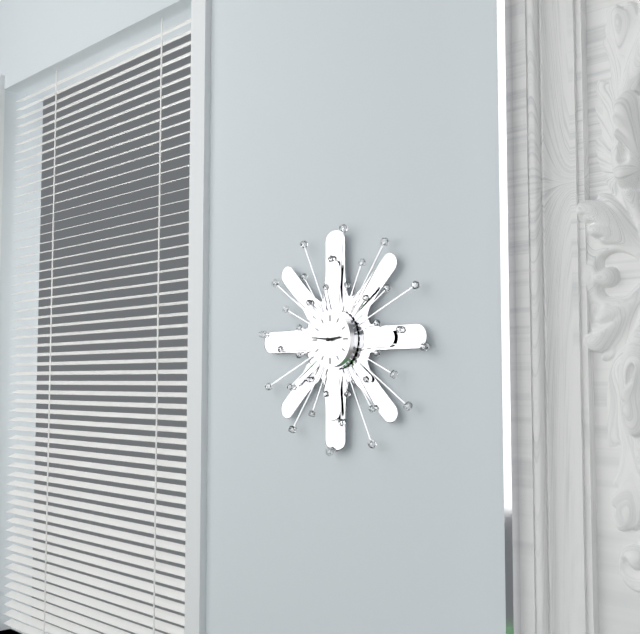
2:46
